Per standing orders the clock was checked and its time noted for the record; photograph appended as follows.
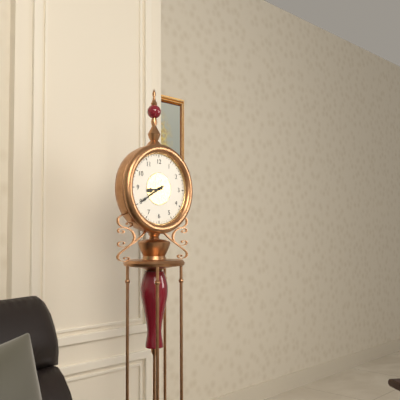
8:40
